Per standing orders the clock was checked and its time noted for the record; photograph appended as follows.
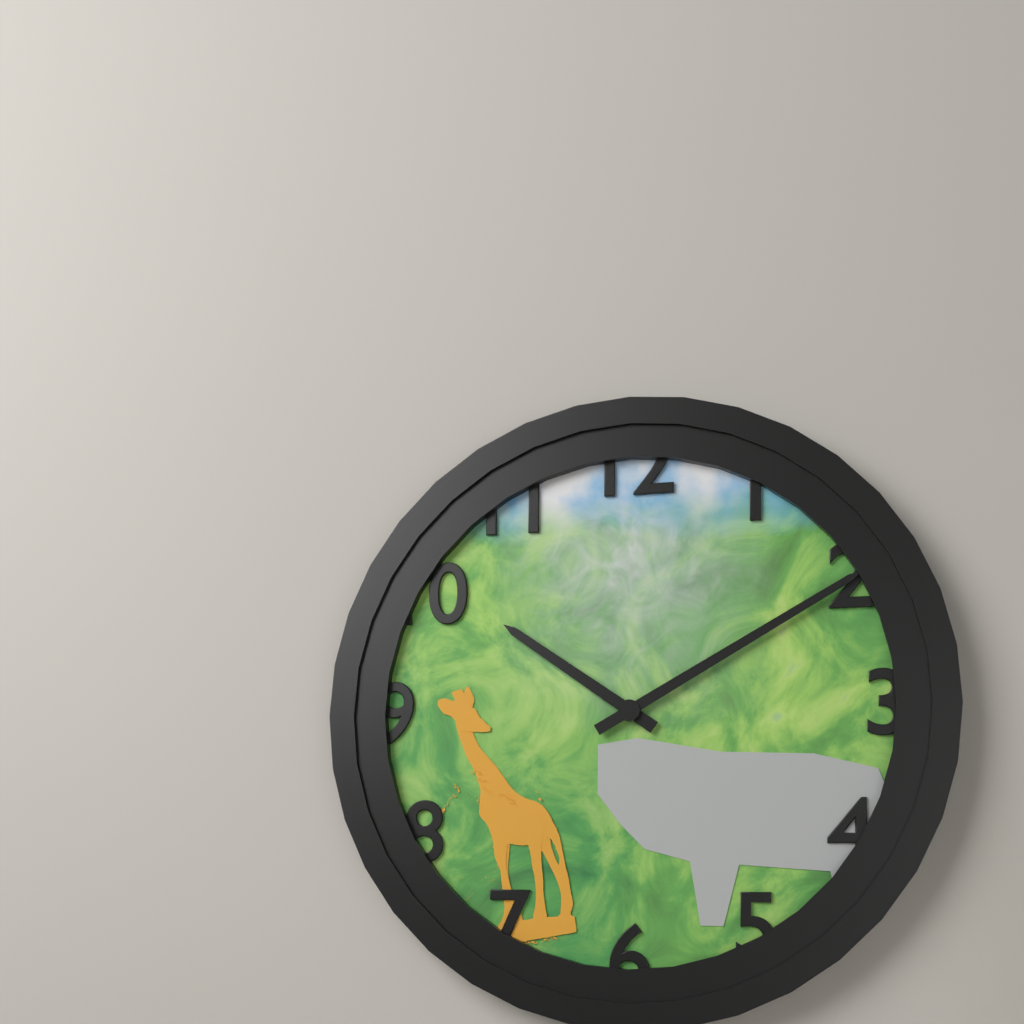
10:10
